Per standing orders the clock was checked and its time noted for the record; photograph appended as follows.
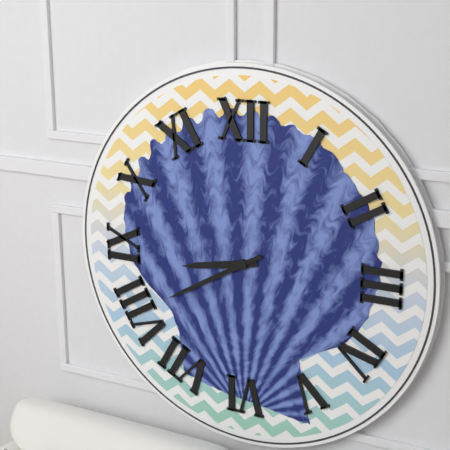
8:40
